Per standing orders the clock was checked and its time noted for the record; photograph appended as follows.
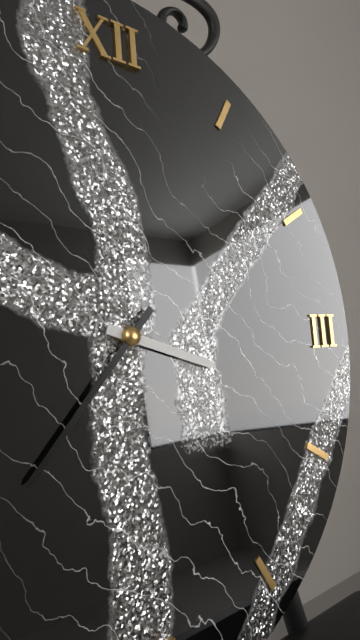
3:37
